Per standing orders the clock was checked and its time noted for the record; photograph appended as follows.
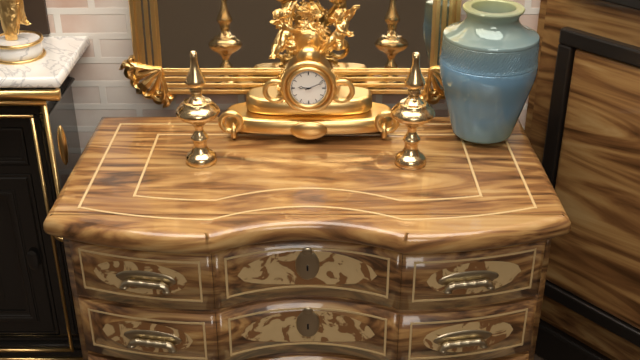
9:11
